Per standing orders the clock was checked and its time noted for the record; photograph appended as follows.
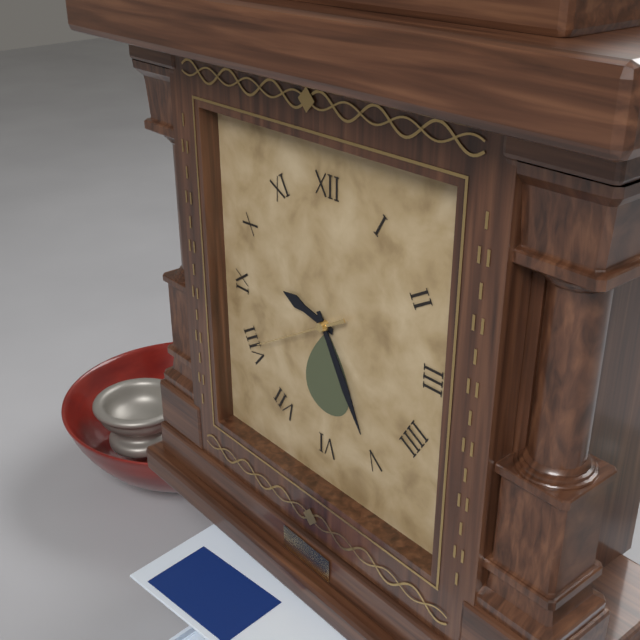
9:25:40
